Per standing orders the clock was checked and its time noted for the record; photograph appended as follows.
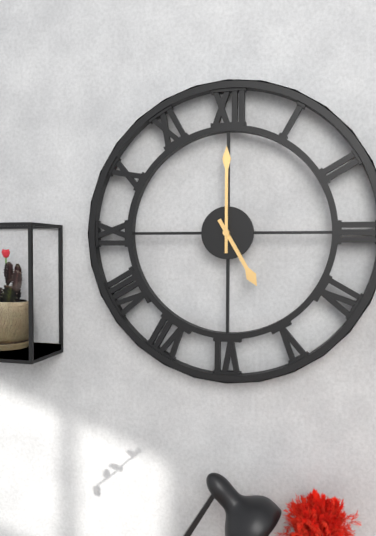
5:00
